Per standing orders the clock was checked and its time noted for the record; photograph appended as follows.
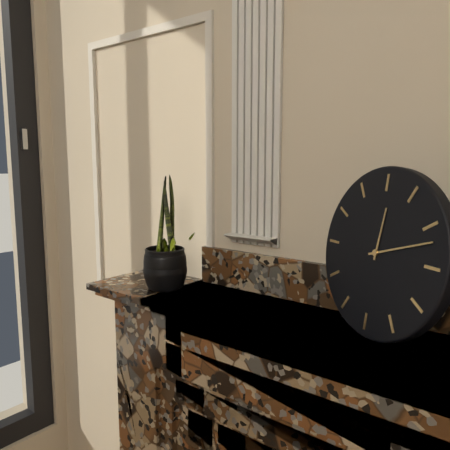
12:12
